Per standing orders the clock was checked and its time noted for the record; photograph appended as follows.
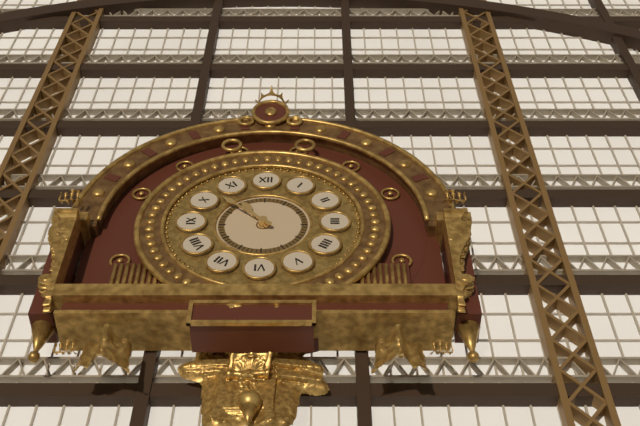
10:52
